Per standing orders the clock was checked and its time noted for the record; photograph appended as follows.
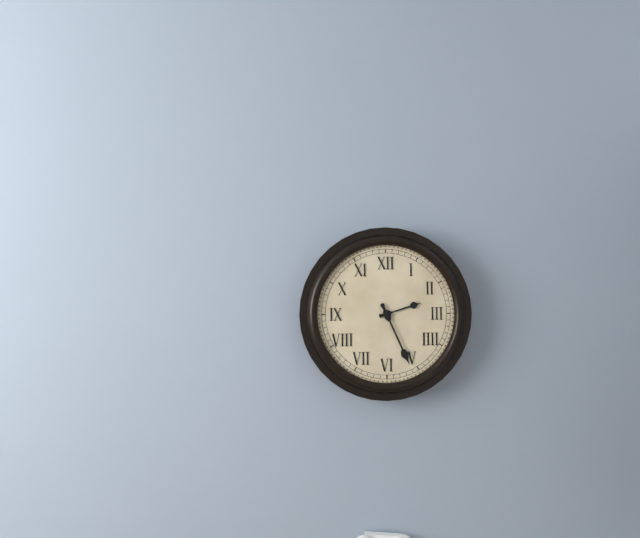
2:26
